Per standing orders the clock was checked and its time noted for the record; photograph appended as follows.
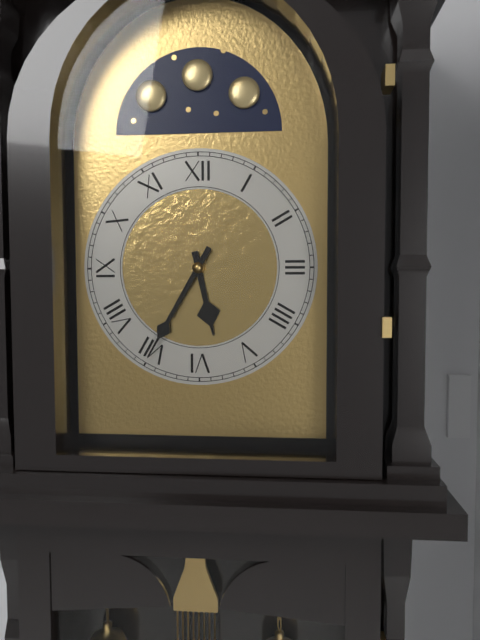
5:35
